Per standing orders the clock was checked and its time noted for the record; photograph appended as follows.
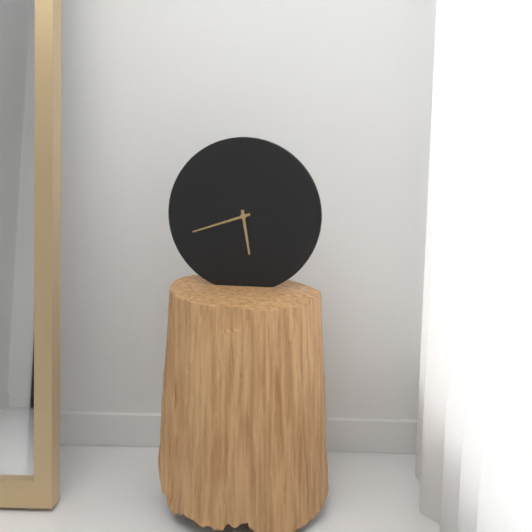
5:42
